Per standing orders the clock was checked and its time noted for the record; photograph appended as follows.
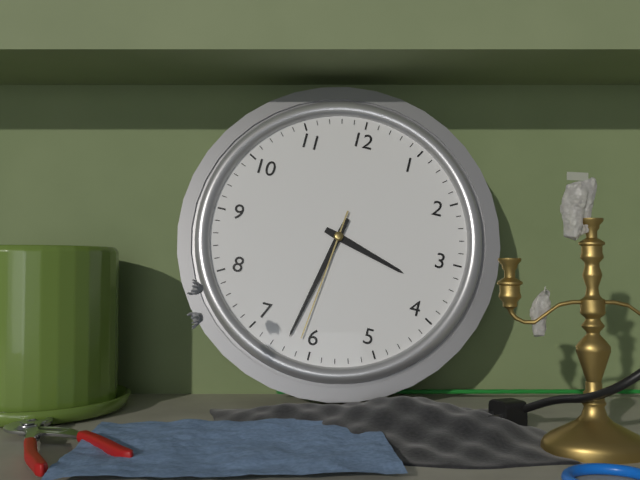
3:32:31
